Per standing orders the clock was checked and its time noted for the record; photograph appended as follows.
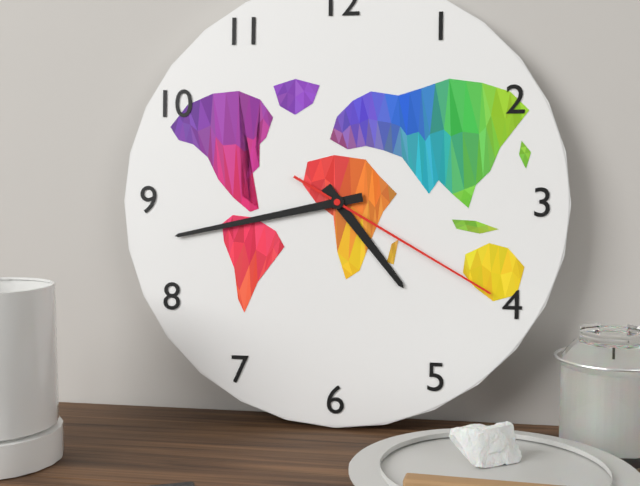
4:43:20
